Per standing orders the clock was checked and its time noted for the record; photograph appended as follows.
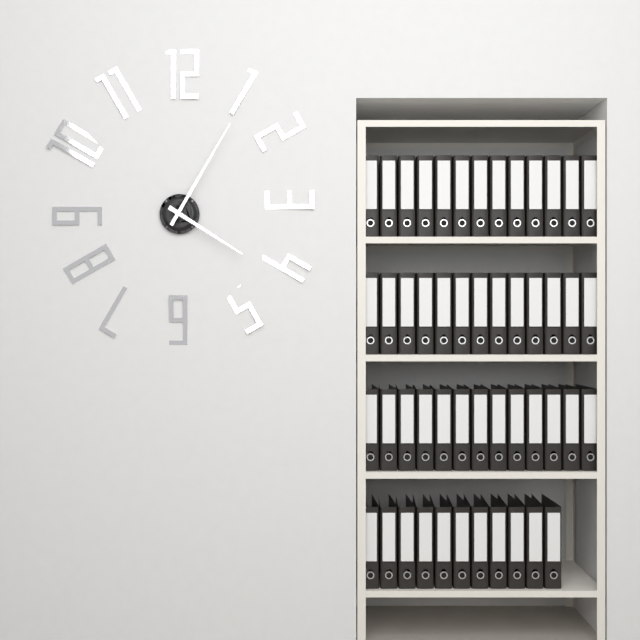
4:05
